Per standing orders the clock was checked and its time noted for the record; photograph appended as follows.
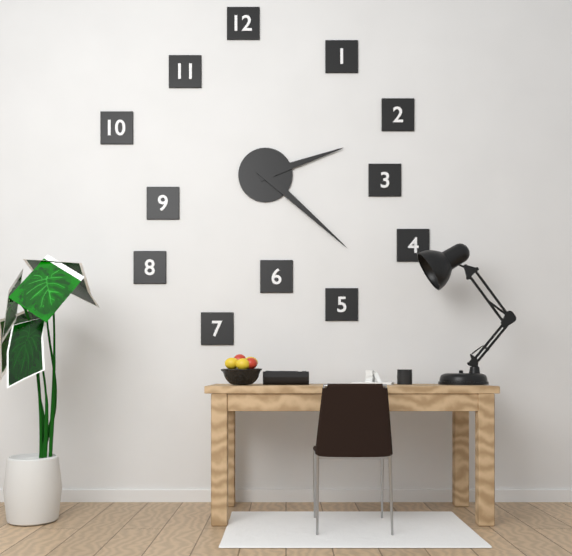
2:22
